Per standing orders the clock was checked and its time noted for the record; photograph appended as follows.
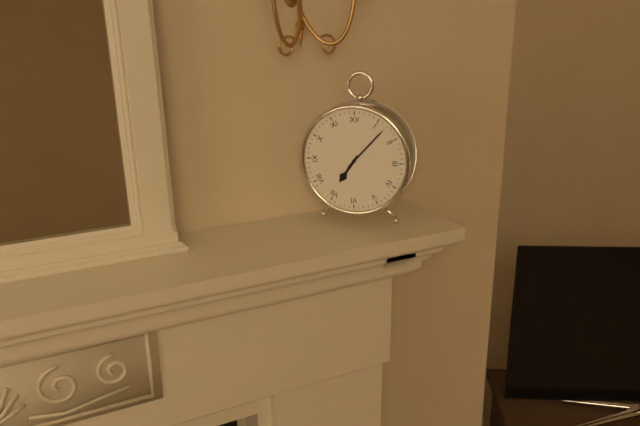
7:07
